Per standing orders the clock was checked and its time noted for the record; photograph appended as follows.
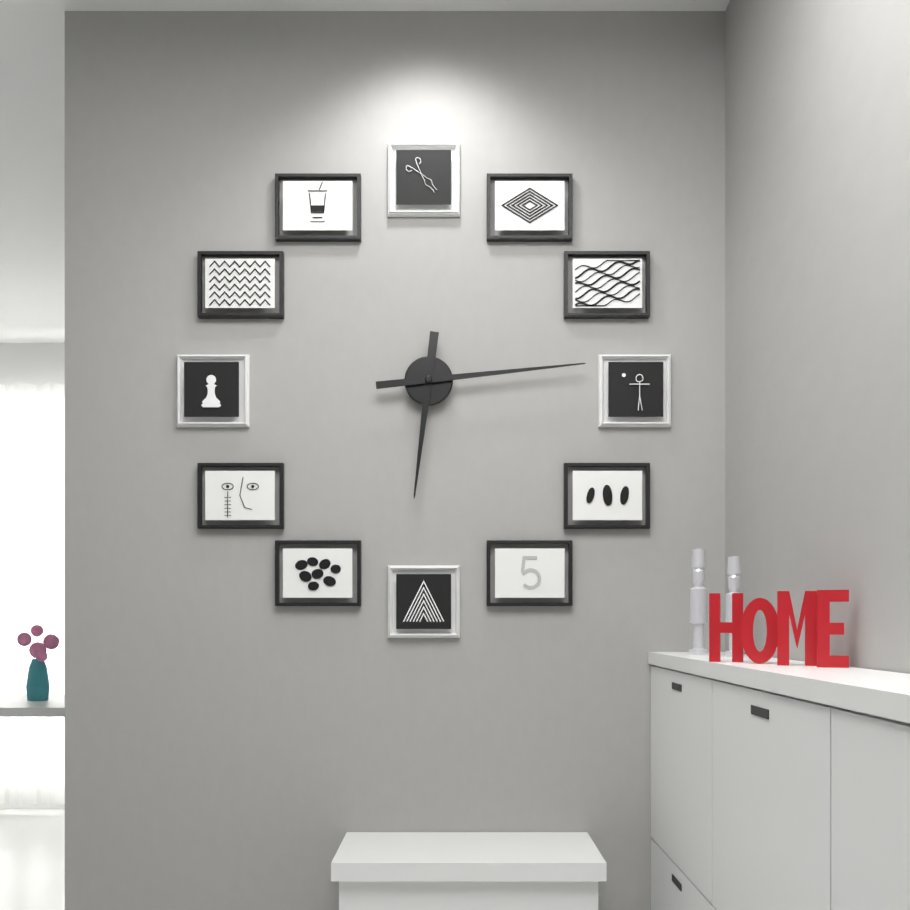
6:14
